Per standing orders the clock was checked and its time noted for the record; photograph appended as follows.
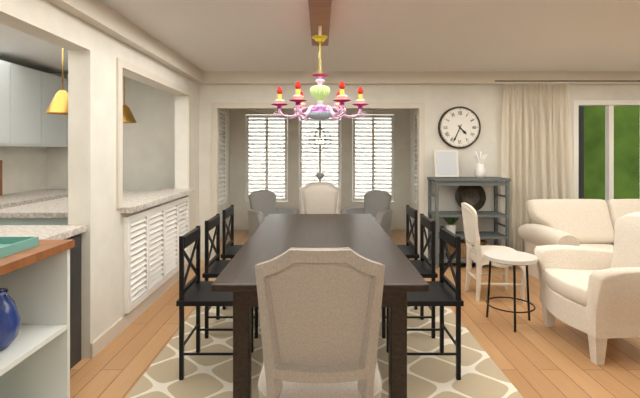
4:34
